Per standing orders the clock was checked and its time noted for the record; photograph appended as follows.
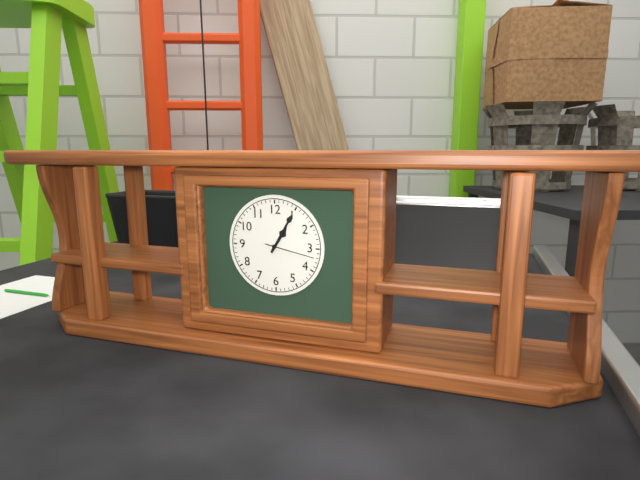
1:05:17
